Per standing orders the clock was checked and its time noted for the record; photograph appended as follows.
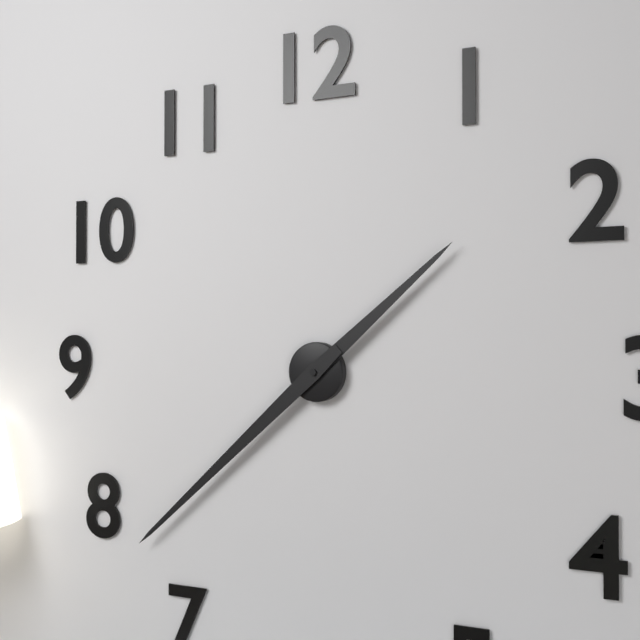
1:38
